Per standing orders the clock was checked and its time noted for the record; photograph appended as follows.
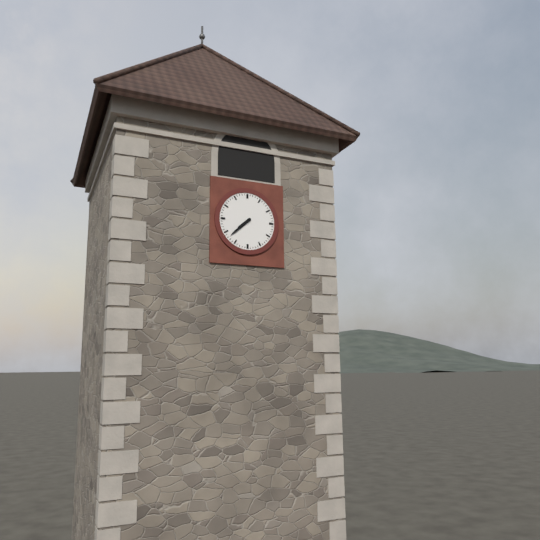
7:38
